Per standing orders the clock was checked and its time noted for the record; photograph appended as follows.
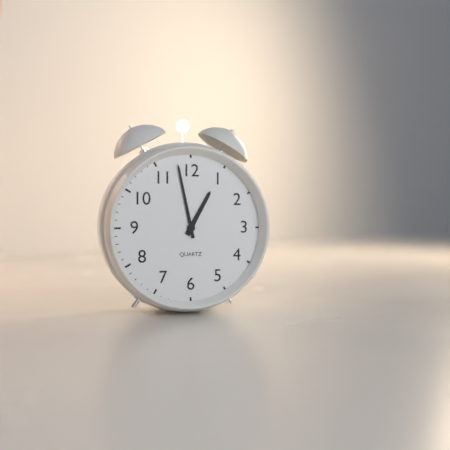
12:58
